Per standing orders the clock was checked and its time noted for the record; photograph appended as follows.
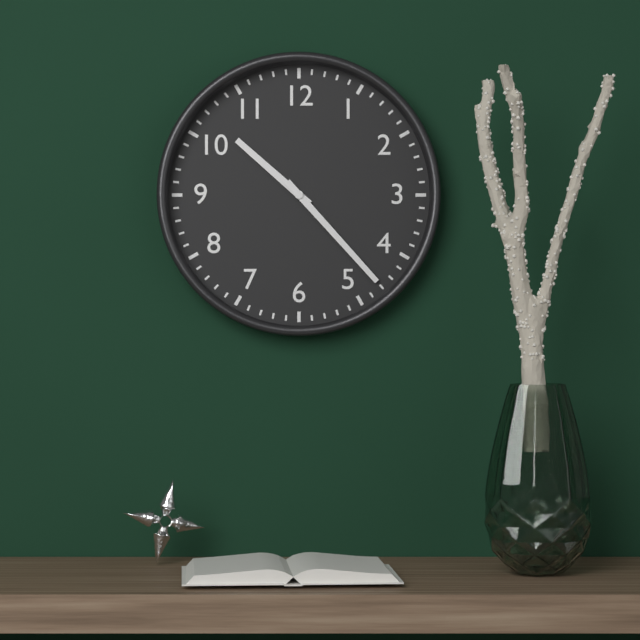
10:23
